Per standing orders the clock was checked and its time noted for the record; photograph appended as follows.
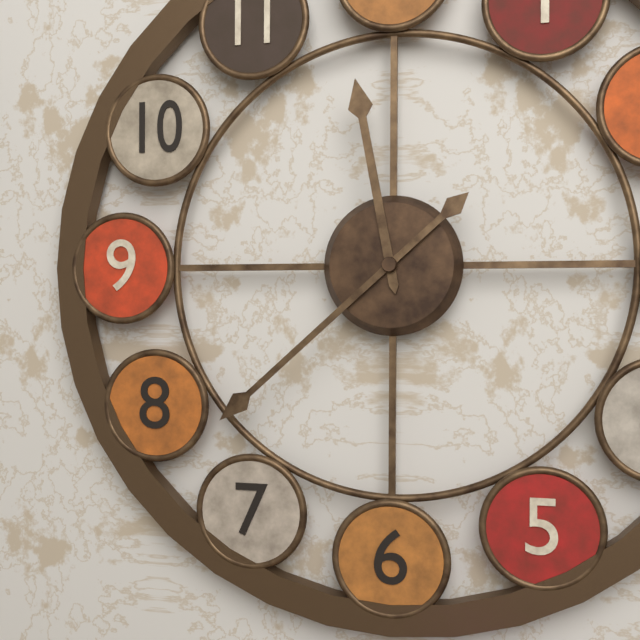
11:38
